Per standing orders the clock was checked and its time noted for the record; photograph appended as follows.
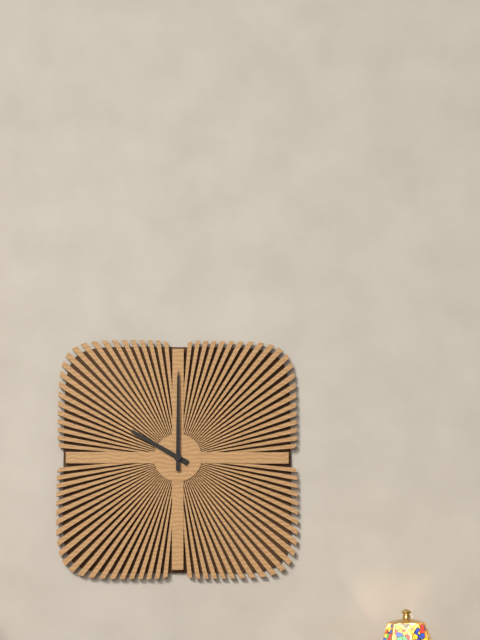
10:00
